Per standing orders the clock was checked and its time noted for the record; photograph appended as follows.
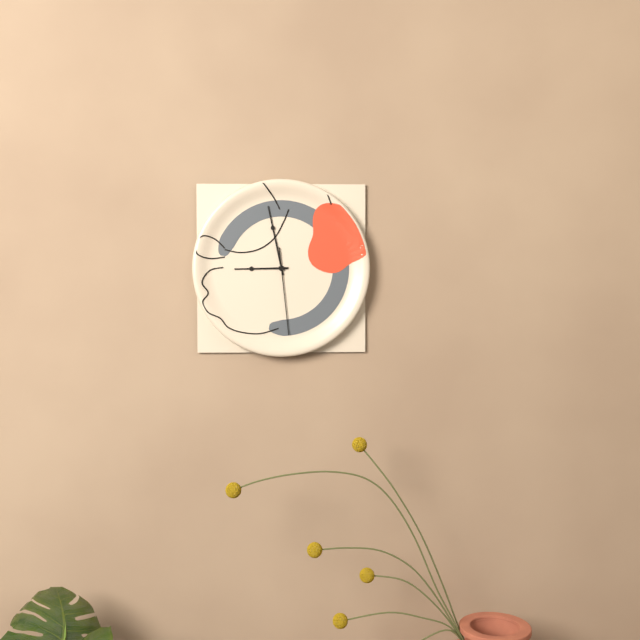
8:58:29
